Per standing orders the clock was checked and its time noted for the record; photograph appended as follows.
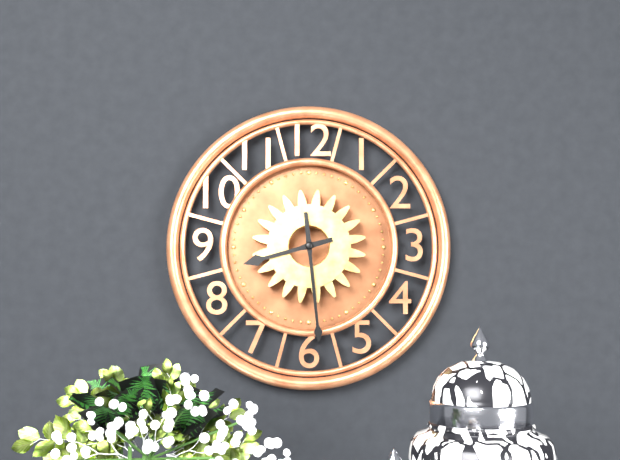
8:29
